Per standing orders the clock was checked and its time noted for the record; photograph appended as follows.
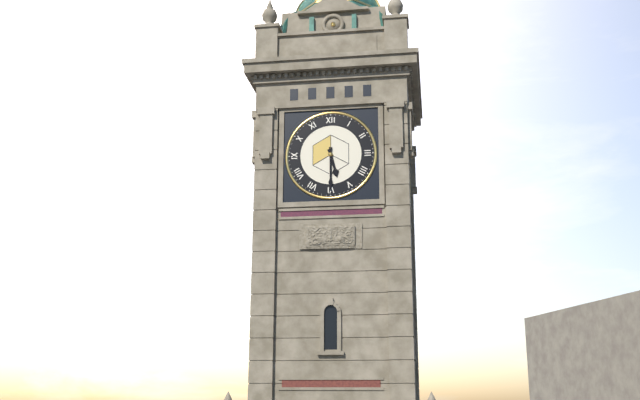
5:30
